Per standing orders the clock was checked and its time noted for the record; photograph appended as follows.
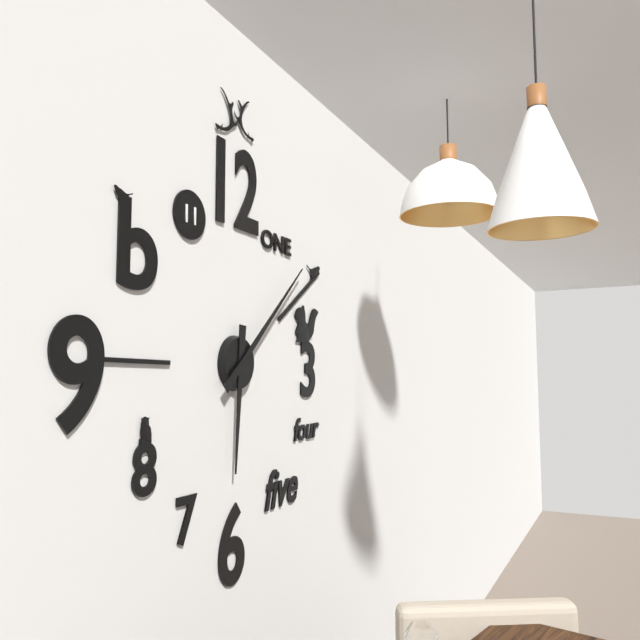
6:08
